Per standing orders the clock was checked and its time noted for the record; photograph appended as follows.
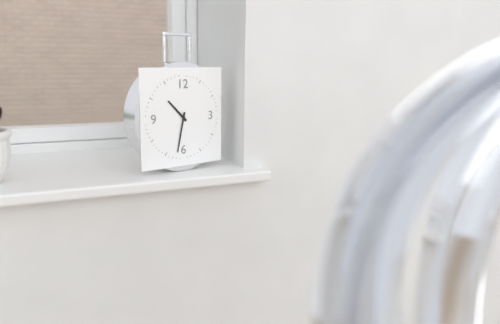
10:32
